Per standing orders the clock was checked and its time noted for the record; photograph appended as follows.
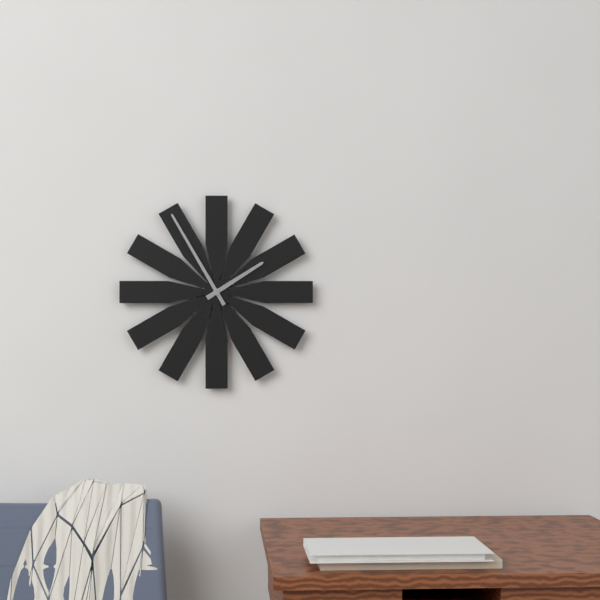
1:55
